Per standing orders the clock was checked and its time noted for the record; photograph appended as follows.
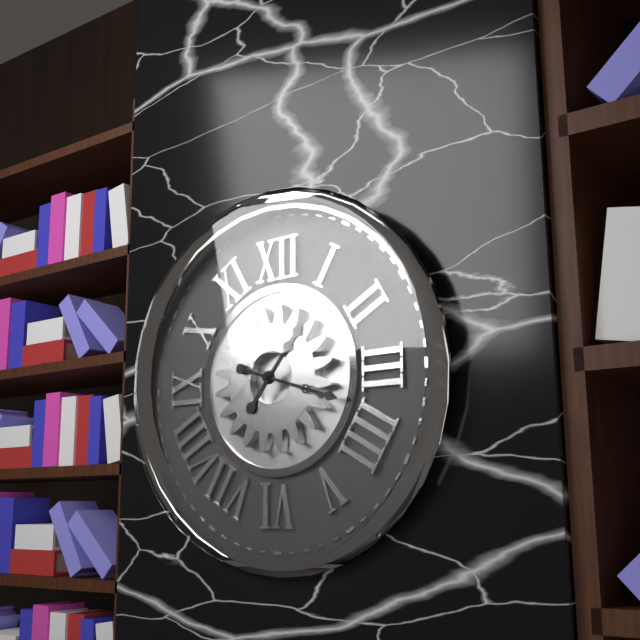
1:18
